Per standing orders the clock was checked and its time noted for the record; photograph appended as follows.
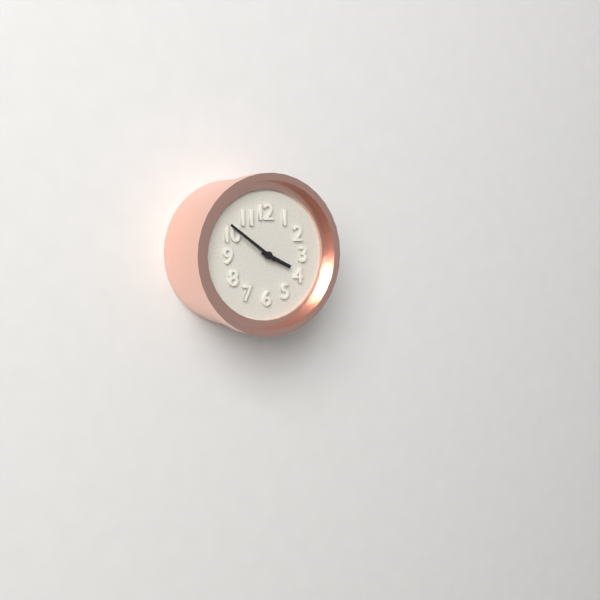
3:51
